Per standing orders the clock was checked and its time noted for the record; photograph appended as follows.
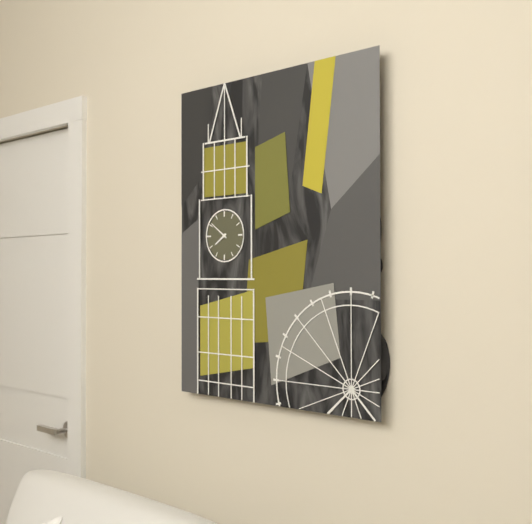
7:51
